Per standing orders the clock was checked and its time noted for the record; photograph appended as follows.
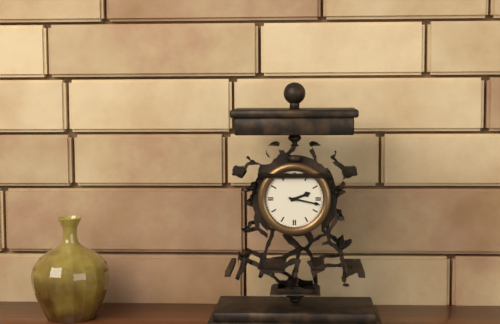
2:17
